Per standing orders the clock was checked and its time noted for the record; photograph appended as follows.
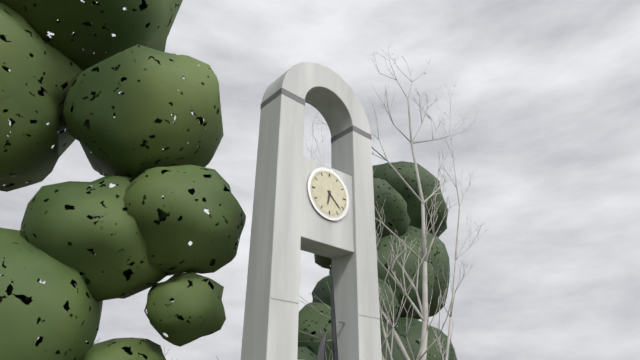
6:22
